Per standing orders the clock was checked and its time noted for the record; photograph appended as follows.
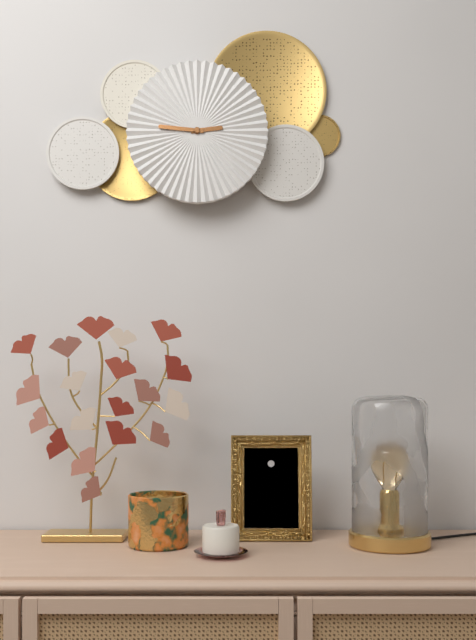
2:46
